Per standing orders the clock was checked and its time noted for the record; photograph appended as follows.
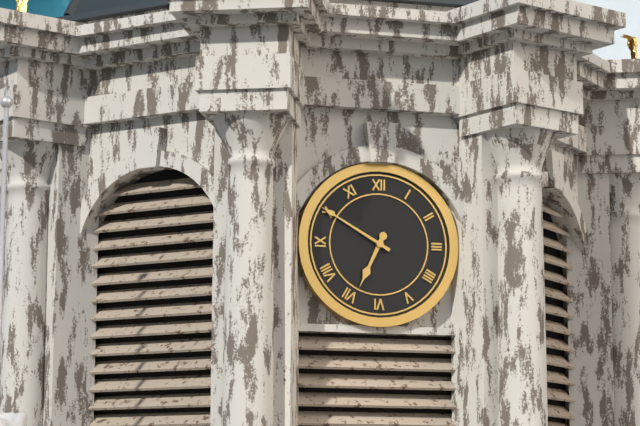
6:50
